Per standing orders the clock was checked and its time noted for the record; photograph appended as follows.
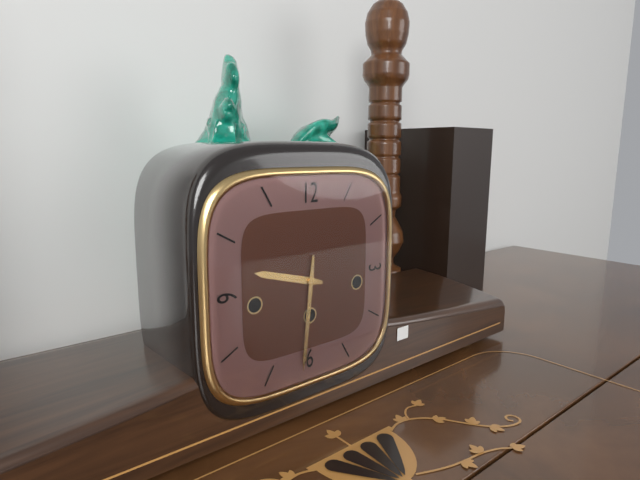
9:31
